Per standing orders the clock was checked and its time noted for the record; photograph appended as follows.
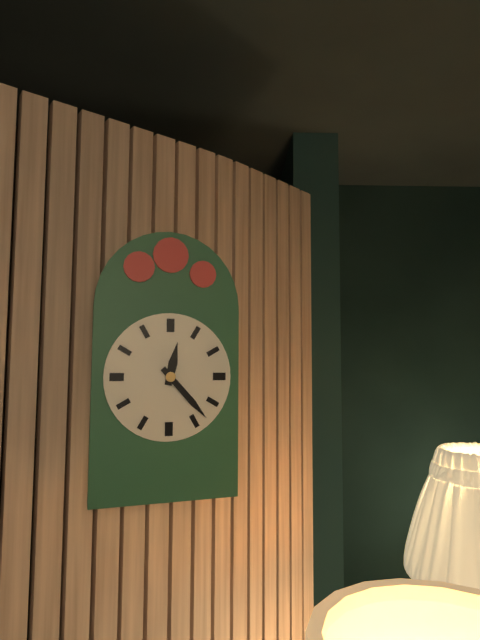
12:23
